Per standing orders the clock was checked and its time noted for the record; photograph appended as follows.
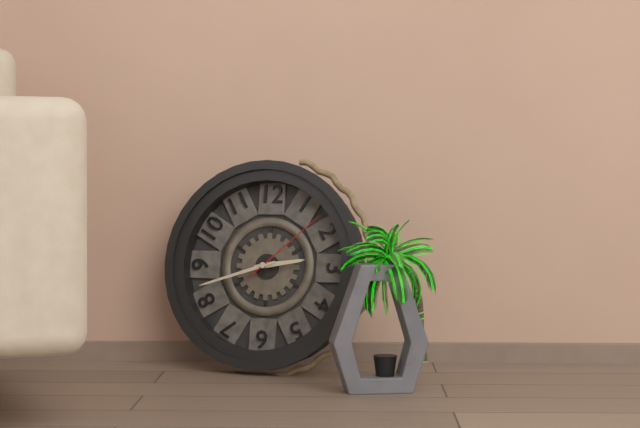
2:42:08
